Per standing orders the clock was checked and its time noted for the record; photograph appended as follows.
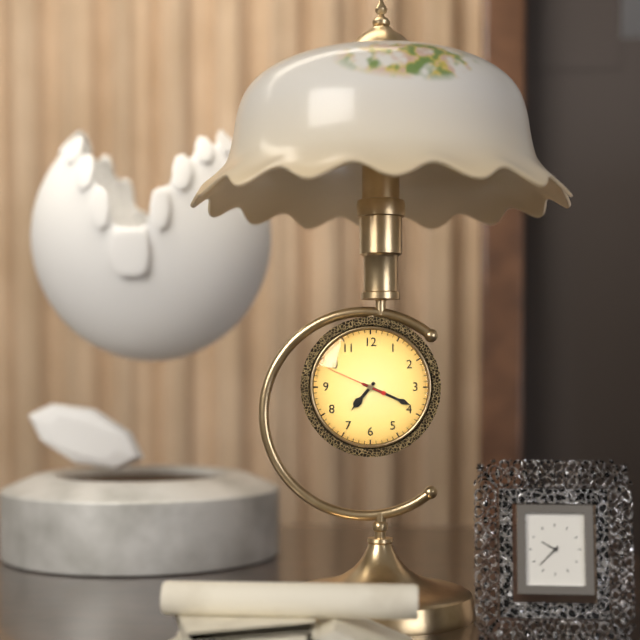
7:19:49
